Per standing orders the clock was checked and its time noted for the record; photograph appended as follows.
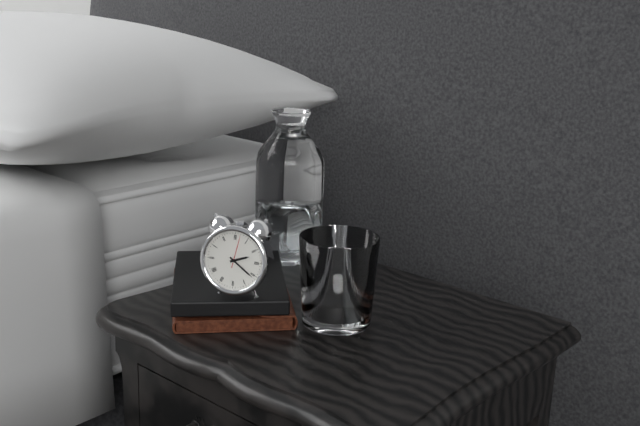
2:21
